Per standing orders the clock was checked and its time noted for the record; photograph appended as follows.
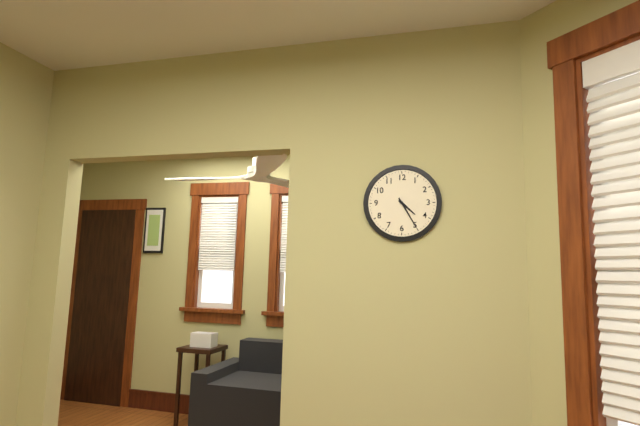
4:25
